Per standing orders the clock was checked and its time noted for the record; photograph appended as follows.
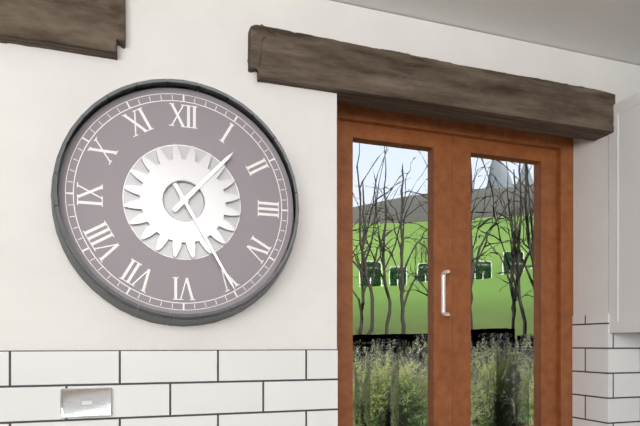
1:25
